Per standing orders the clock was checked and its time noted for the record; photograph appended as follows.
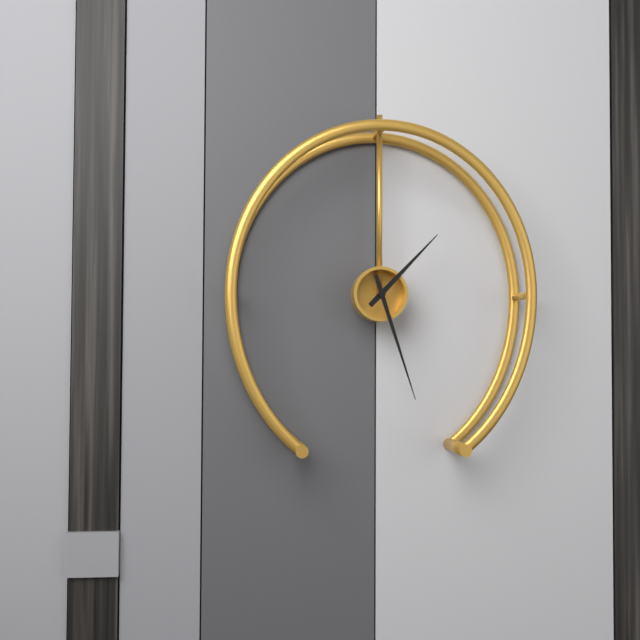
1:27
